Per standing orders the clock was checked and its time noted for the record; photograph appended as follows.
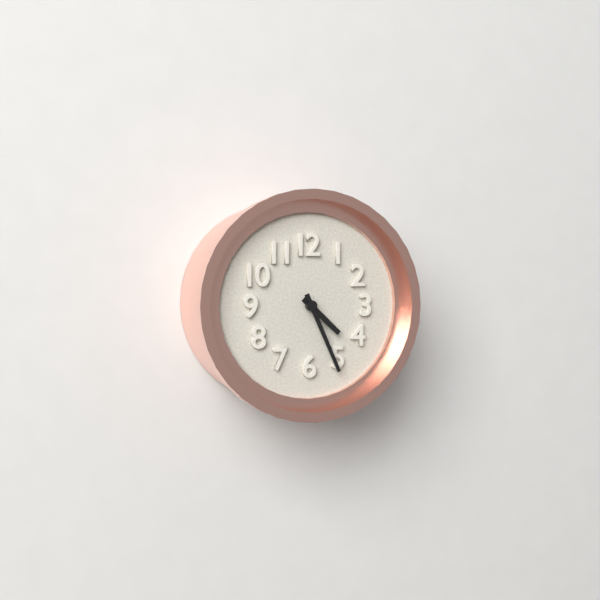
4:26
